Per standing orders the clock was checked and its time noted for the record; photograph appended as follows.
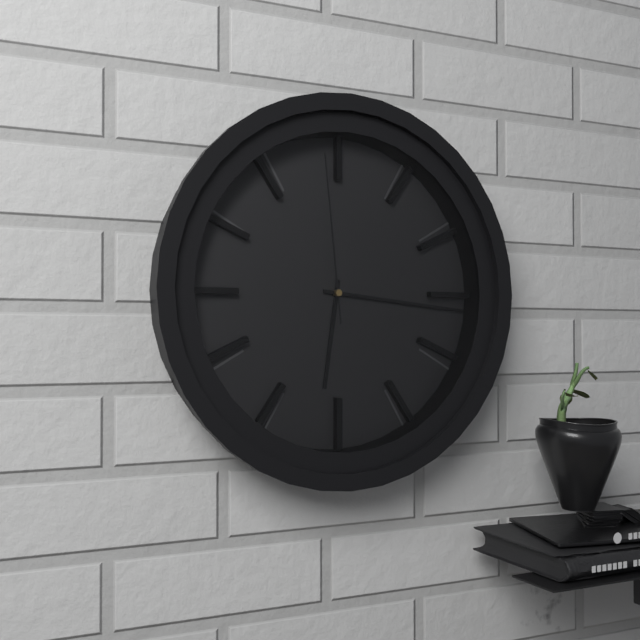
6:16:59
